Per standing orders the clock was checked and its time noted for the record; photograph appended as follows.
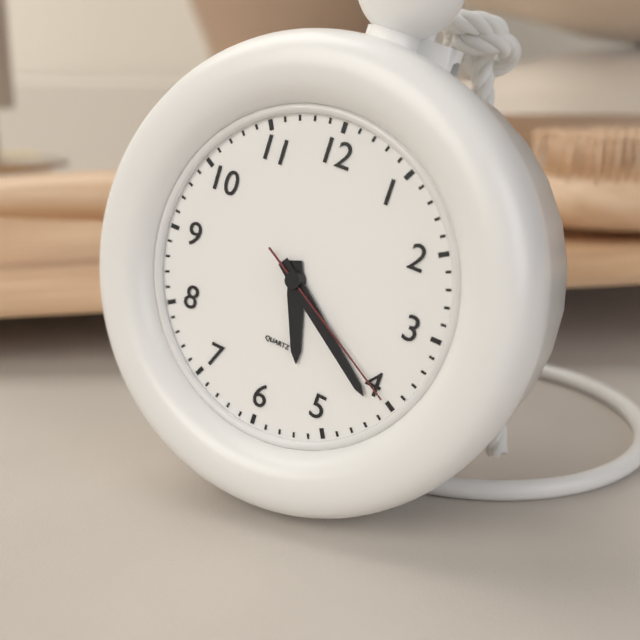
5:21:20
